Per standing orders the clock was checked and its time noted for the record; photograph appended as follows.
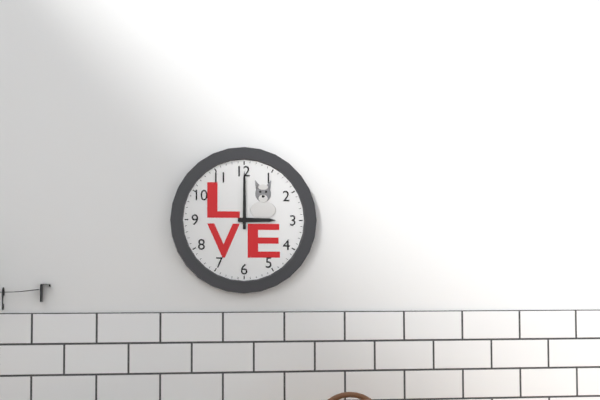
3:00
